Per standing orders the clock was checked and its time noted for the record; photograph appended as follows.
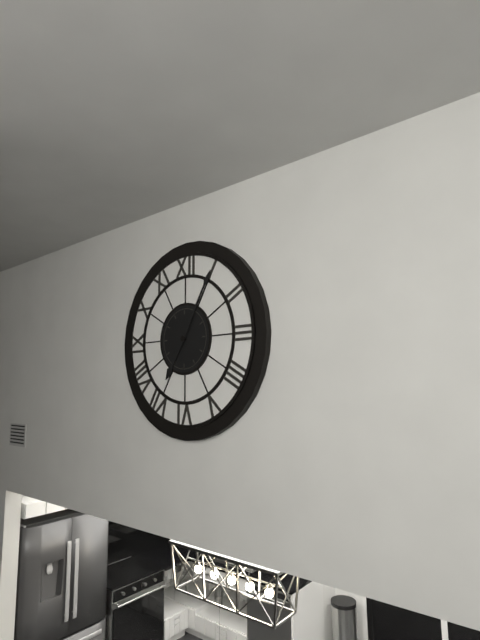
7:05
